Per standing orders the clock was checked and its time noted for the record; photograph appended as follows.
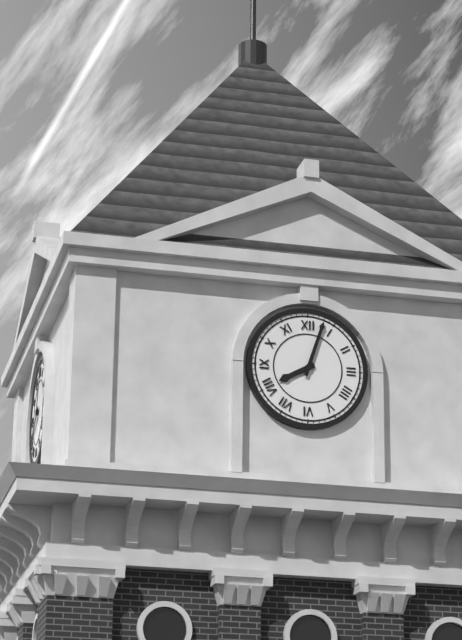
8:03
